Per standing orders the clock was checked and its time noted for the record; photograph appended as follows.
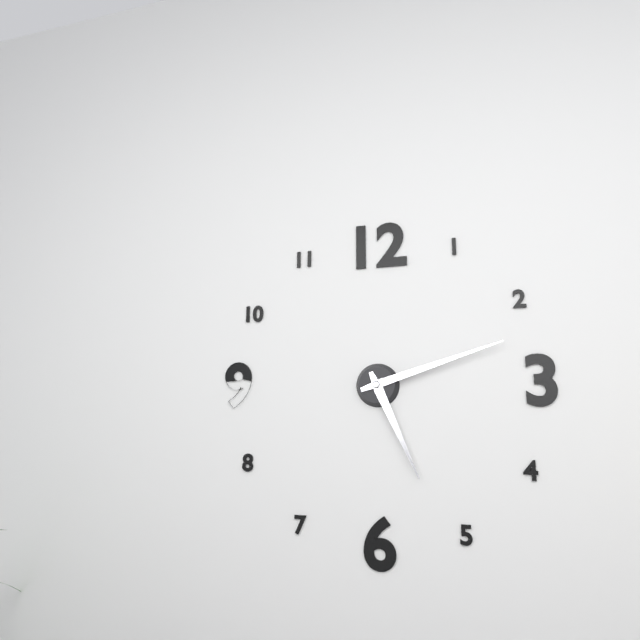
5:12
